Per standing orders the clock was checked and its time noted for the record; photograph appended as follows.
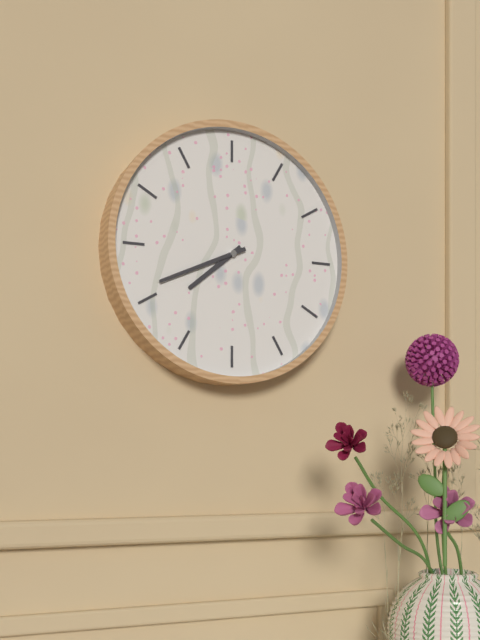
7:41
